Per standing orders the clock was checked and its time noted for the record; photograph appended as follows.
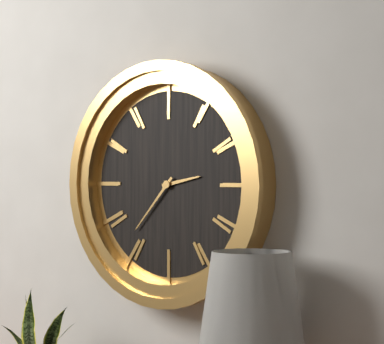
2:37
